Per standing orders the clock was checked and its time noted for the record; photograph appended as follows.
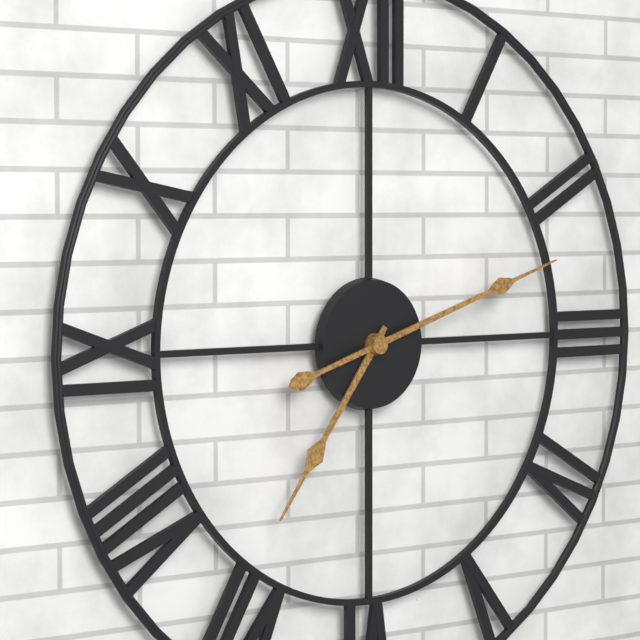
7:12
